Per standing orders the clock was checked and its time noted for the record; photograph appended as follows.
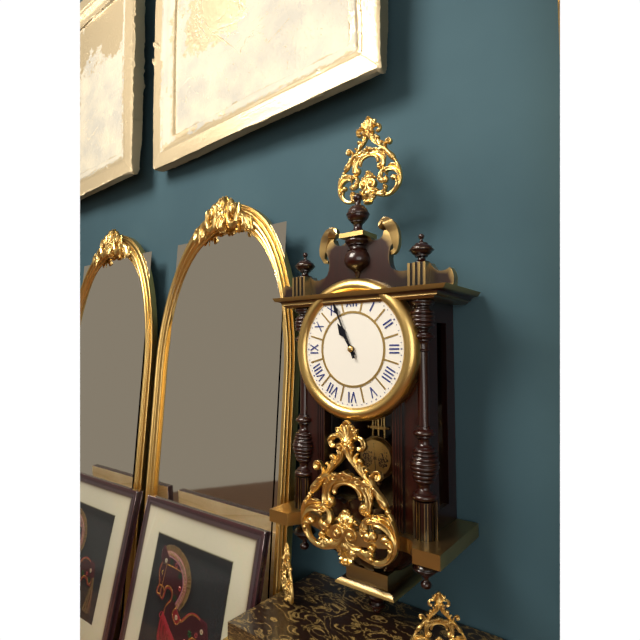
10:56
